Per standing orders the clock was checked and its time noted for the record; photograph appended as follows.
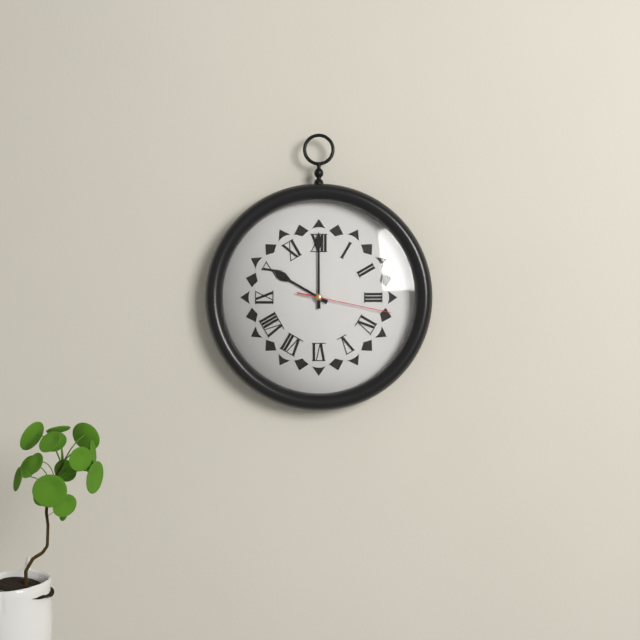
10:00:17
